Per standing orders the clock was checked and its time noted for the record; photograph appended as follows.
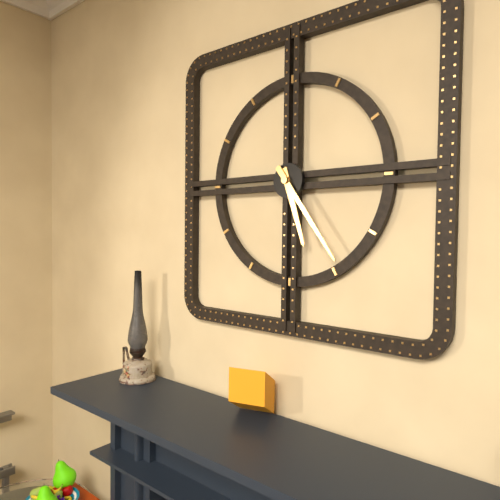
5:24
